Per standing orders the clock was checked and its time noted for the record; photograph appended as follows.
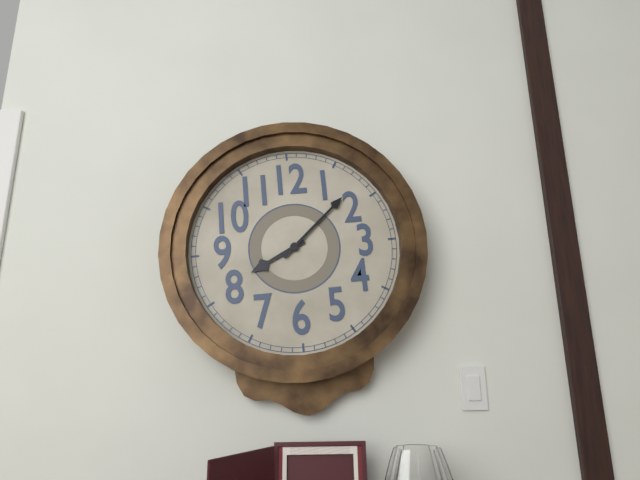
8:08
